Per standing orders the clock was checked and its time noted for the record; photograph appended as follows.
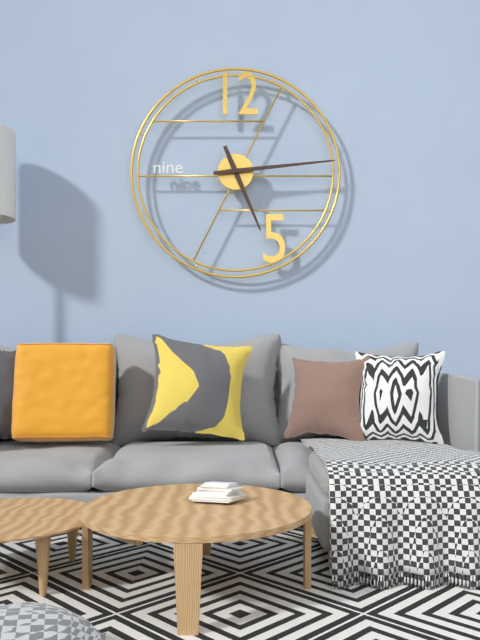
5:14
